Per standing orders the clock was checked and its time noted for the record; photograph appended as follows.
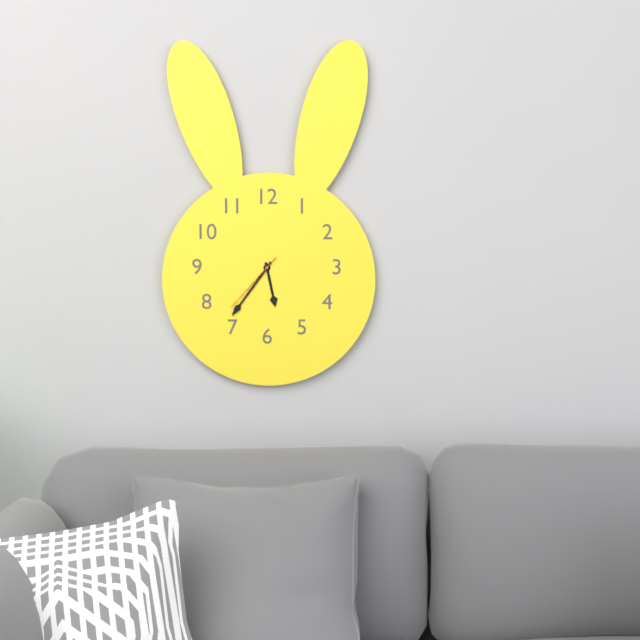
5:36:37
